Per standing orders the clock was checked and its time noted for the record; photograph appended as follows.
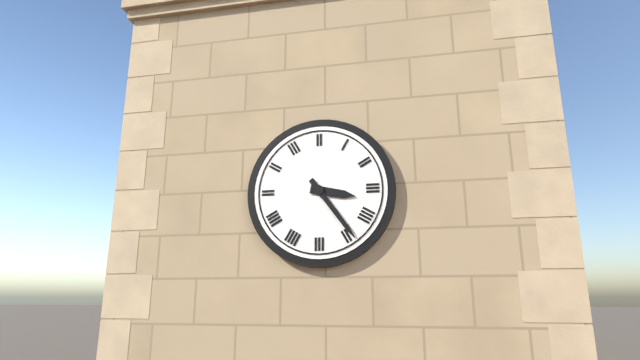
3:24
